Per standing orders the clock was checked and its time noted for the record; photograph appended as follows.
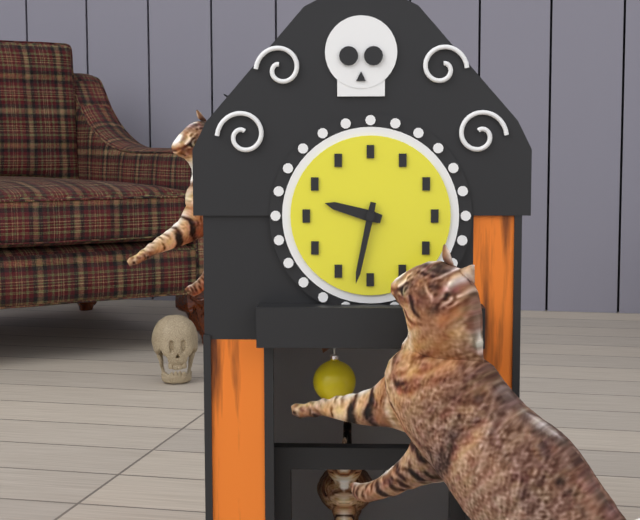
9:32
